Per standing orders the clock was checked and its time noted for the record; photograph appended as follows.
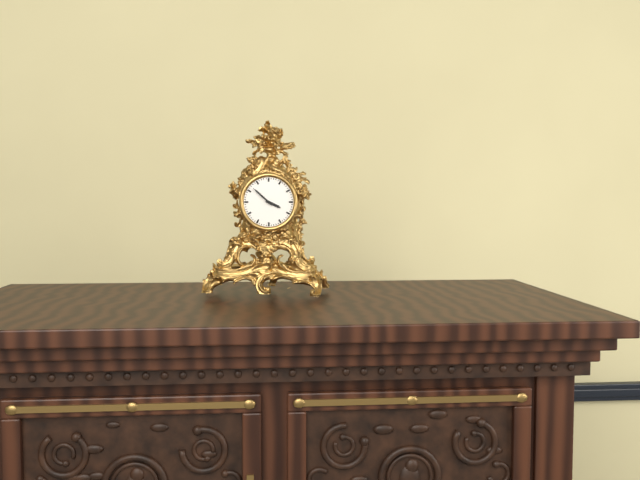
3:52
